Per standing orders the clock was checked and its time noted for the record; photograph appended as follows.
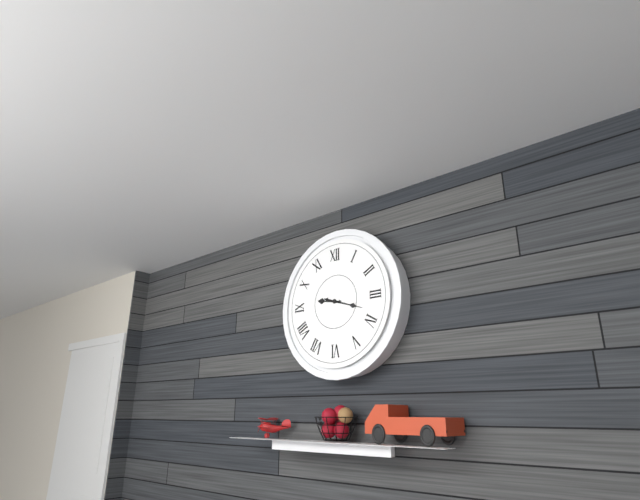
9:18
